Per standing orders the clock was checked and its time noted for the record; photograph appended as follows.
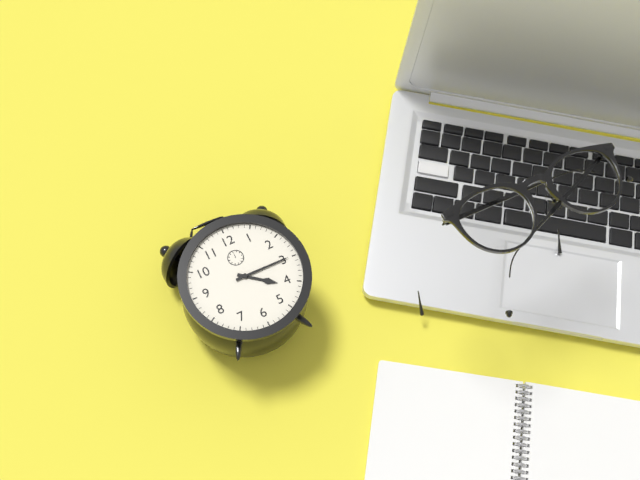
4:15
